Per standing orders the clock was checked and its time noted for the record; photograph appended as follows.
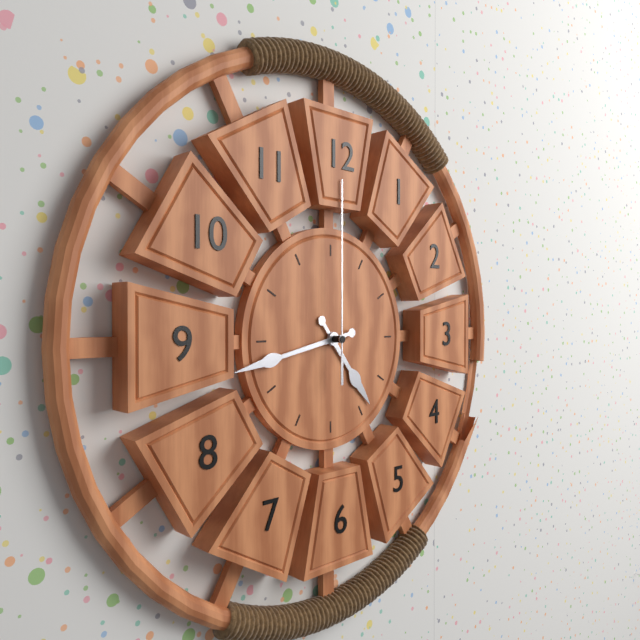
4:43:00
